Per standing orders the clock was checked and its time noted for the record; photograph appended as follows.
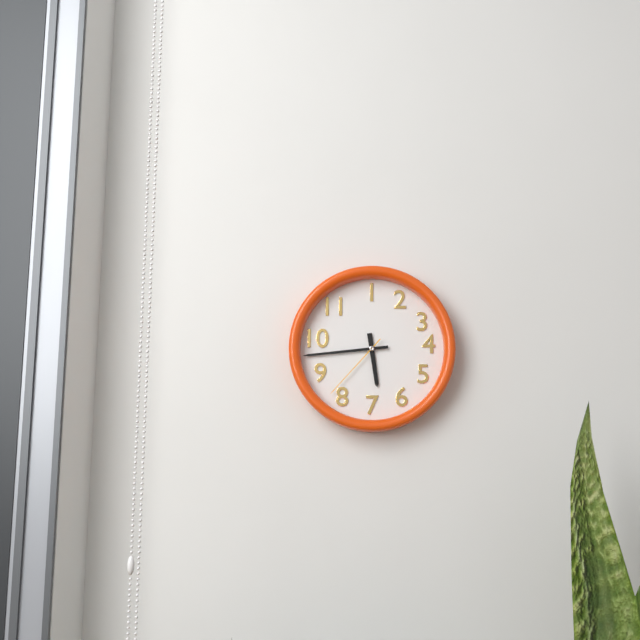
5:44:37
